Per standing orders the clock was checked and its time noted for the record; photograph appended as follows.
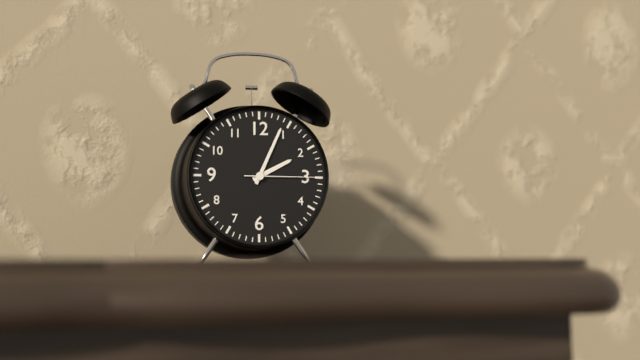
2:04:15
